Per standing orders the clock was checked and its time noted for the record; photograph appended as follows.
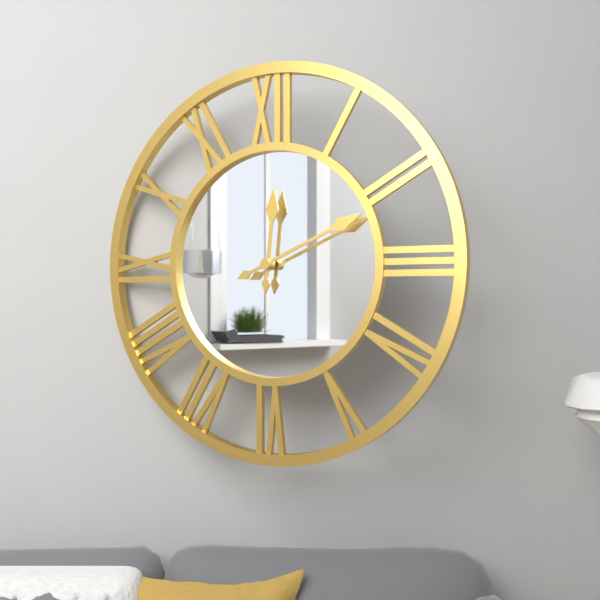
12:11
